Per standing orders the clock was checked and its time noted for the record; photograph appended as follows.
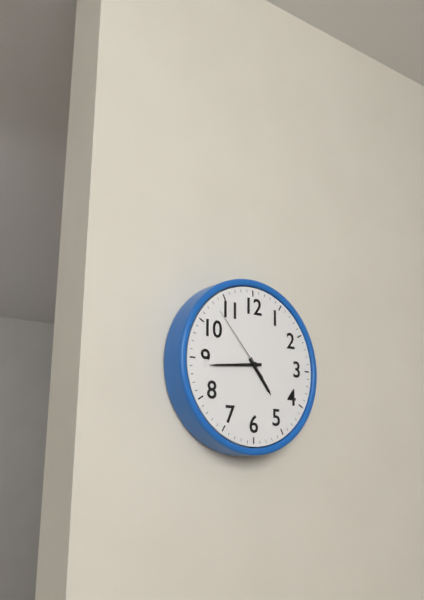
4:44:53
